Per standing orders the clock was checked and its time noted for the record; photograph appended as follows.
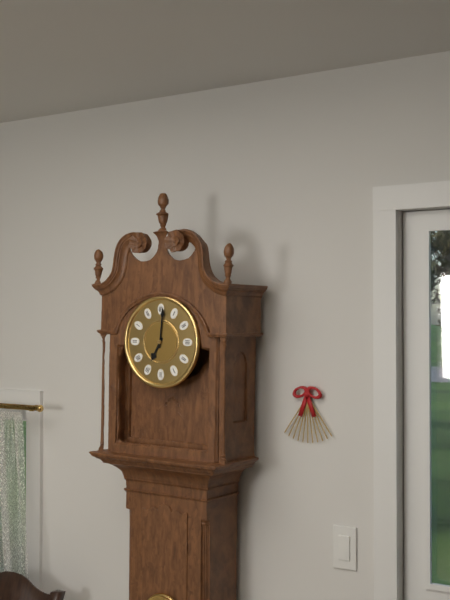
7:01
